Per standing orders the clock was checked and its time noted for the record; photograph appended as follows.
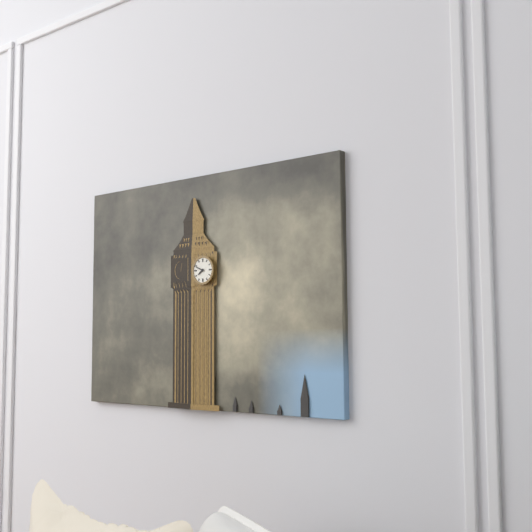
7:49
